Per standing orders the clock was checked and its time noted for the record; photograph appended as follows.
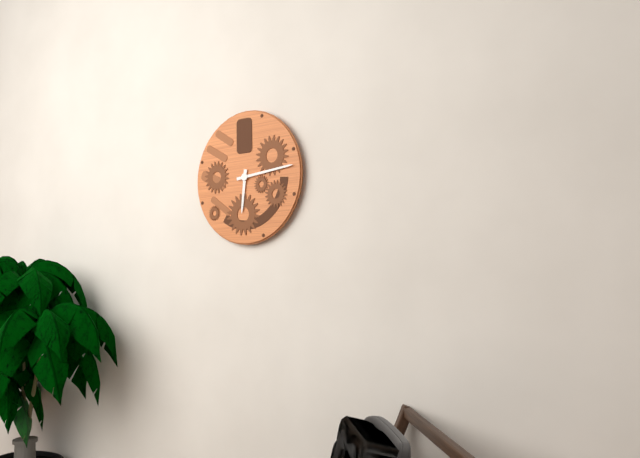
6:14
